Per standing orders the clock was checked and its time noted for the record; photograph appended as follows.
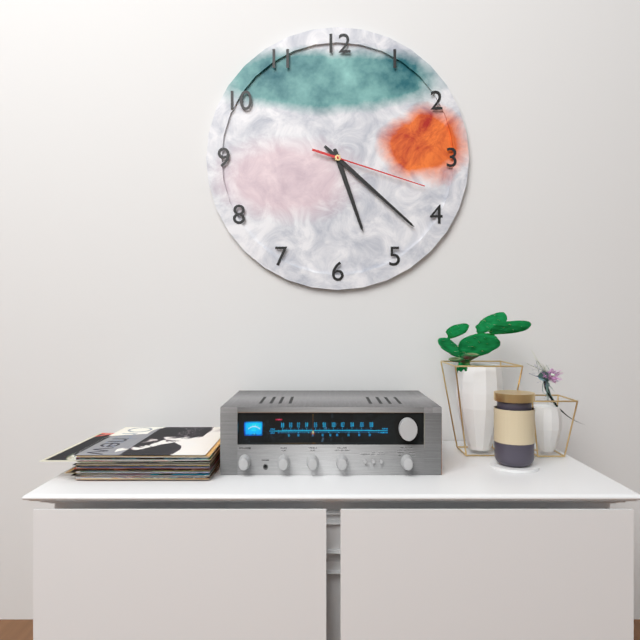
5:22:18
